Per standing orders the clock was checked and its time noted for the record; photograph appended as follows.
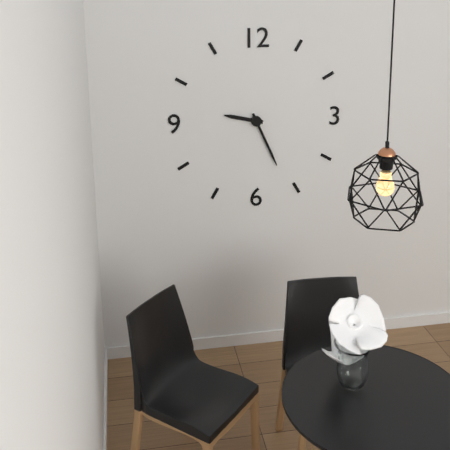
9:26
